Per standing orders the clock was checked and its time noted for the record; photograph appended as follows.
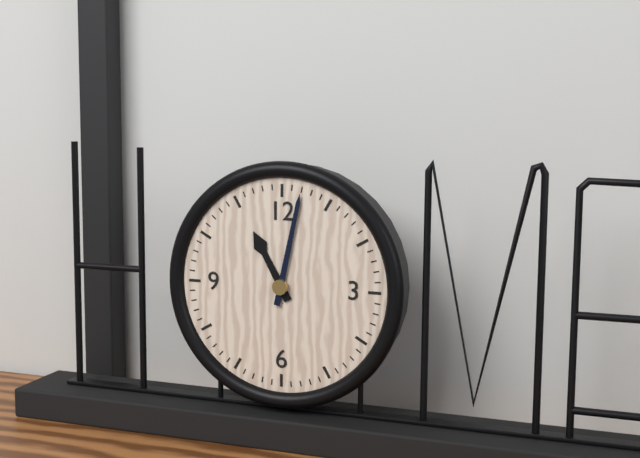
11:02
